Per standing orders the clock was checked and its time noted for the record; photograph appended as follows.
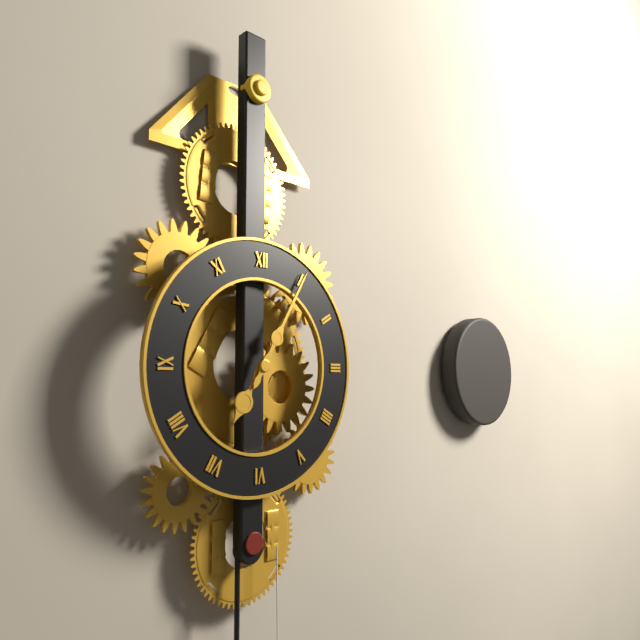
7:05
